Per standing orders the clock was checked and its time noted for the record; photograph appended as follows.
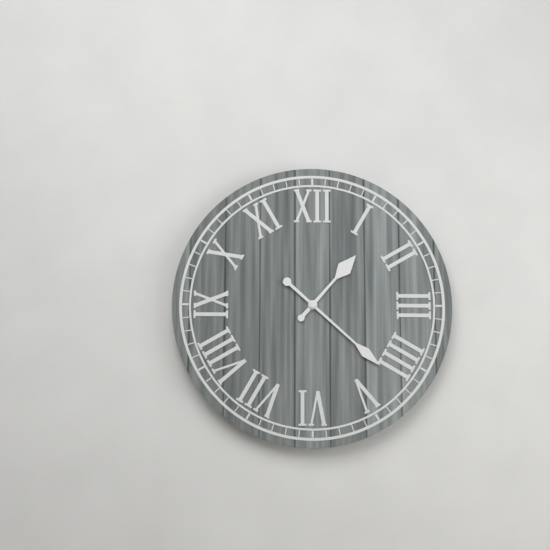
1:22
